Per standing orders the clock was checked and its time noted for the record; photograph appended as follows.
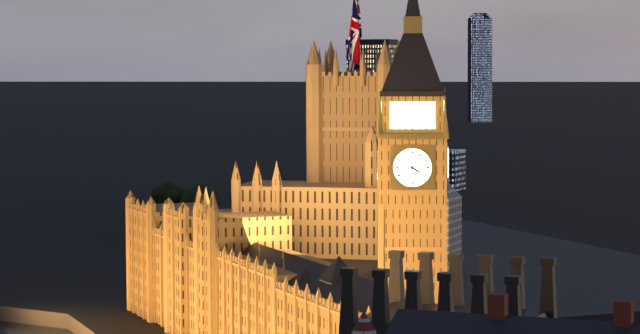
4:05
